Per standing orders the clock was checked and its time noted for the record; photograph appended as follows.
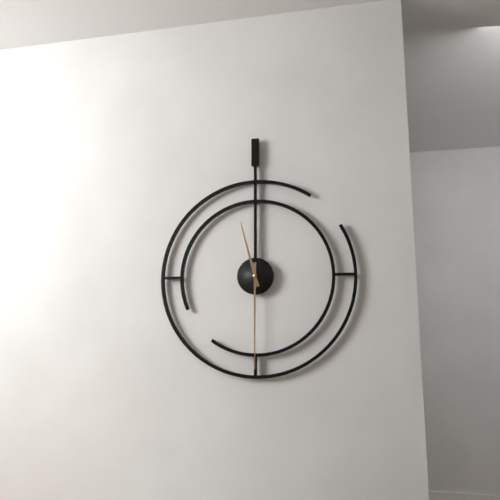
11:30
